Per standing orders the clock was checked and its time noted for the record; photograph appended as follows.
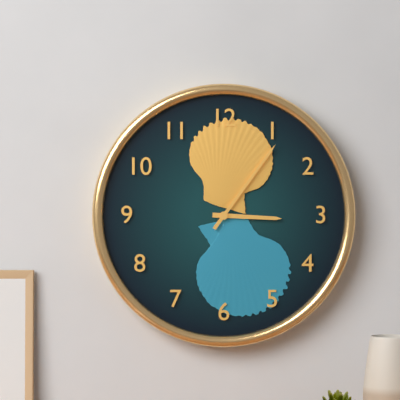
3:06
